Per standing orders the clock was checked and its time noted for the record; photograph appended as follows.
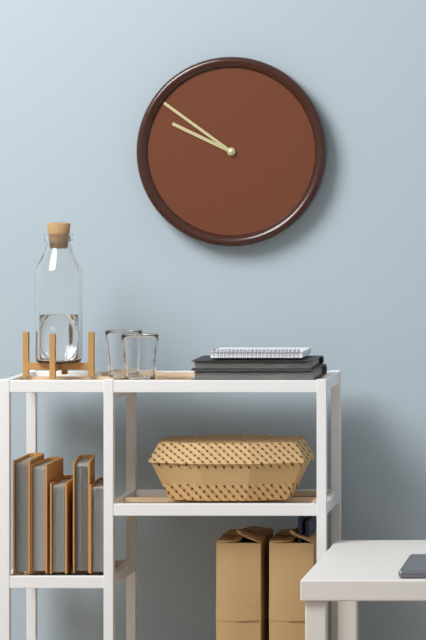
9:51
